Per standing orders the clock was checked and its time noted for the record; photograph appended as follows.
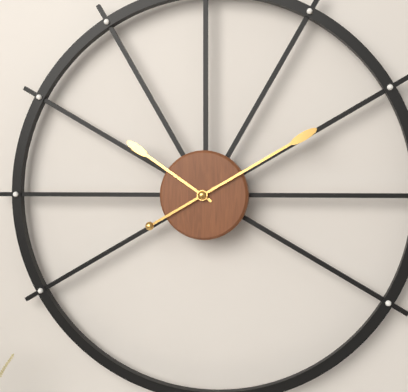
10:10
